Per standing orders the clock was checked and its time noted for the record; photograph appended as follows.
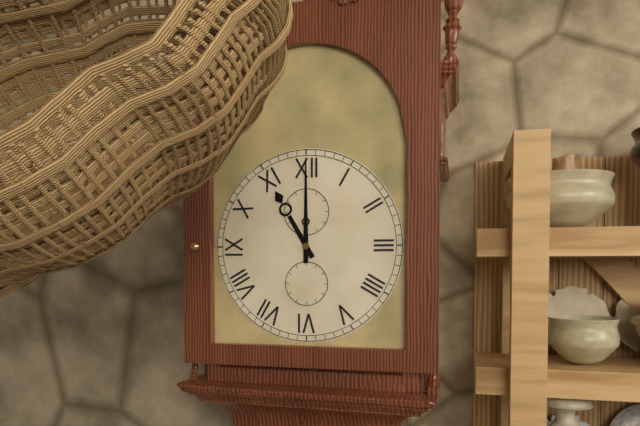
11:00
